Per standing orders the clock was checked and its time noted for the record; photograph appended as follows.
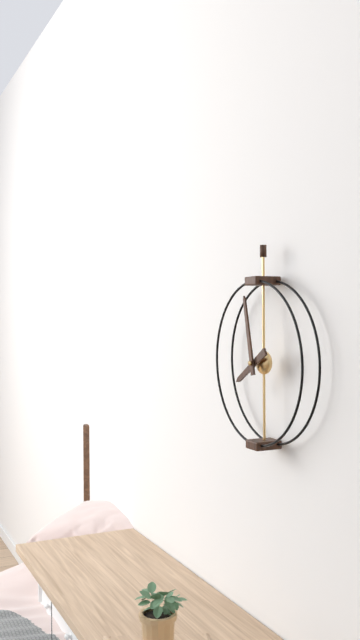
7:58
